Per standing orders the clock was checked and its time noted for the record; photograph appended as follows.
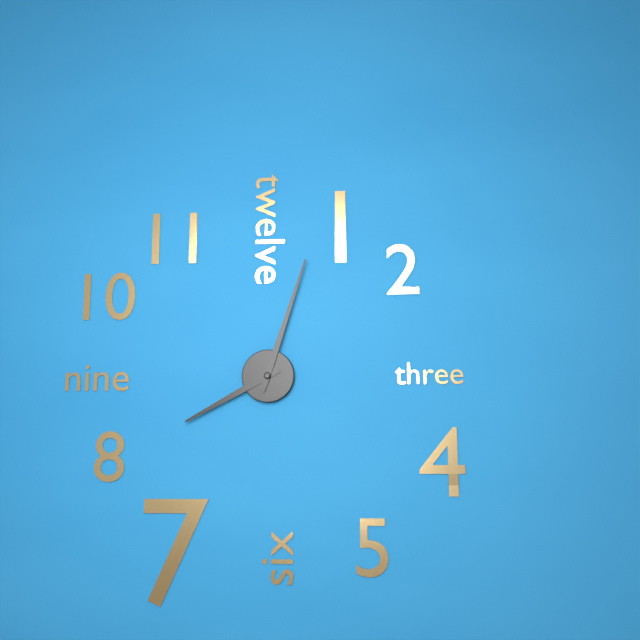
8:03
